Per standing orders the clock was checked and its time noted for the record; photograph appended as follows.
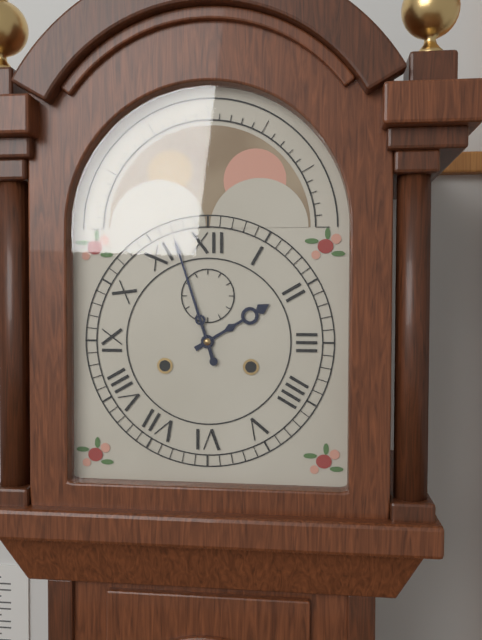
1:57
